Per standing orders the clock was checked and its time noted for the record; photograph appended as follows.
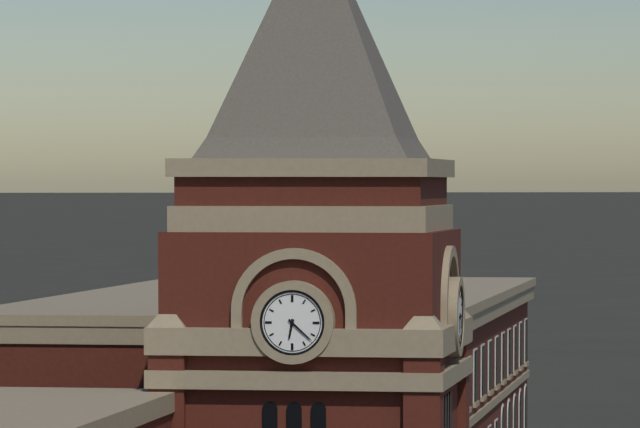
6:22
